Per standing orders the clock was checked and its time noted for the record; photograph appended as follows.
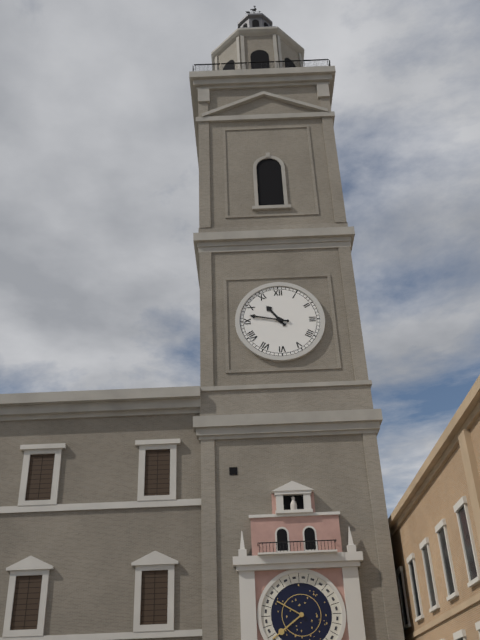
10:47
